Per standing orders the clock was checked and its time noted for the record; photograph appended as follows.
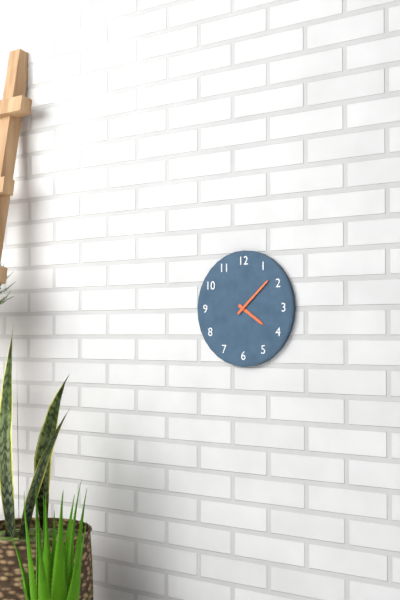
4:08
